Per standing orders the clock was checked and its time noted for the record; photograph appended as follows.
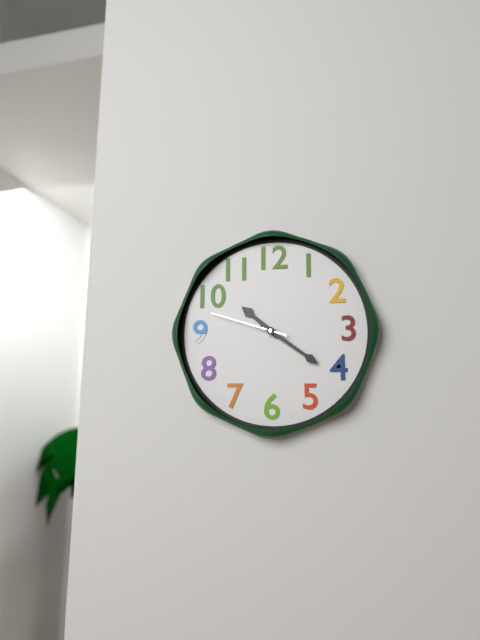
10:21:48
